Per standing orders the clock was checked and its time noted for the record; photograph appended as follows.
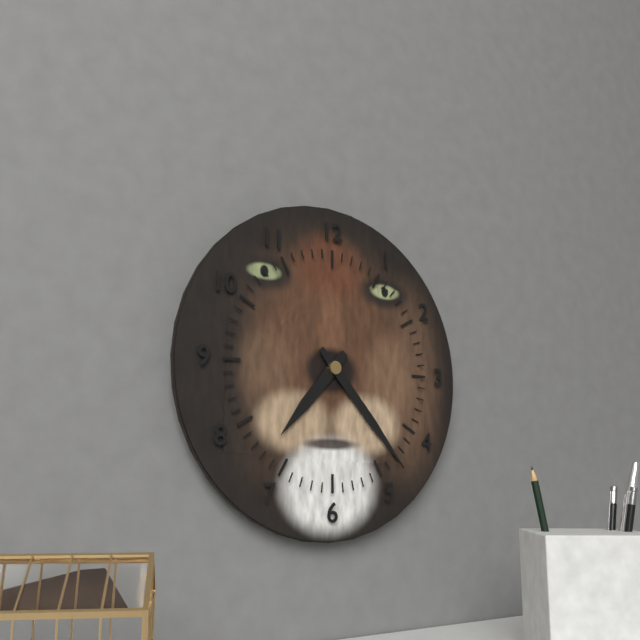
7:23
